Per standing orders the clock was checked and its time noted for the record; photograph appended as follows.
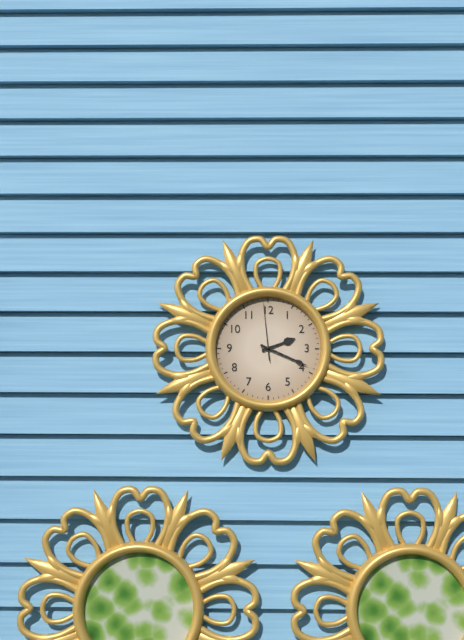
2:19:59
